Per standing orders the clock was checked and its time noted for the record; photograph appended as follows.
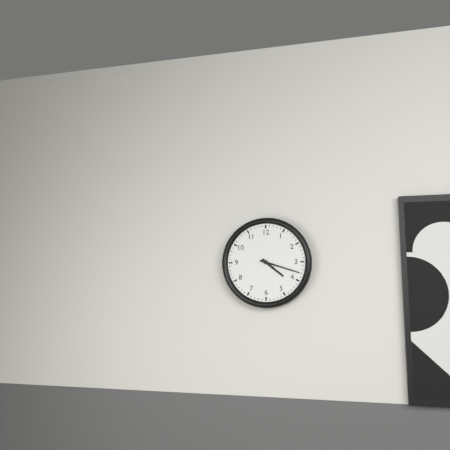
4:18
